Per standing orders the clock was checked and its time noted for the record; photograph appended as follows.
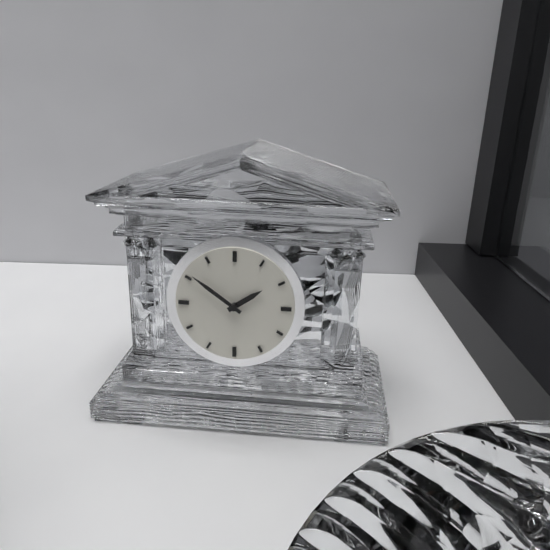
1:51
